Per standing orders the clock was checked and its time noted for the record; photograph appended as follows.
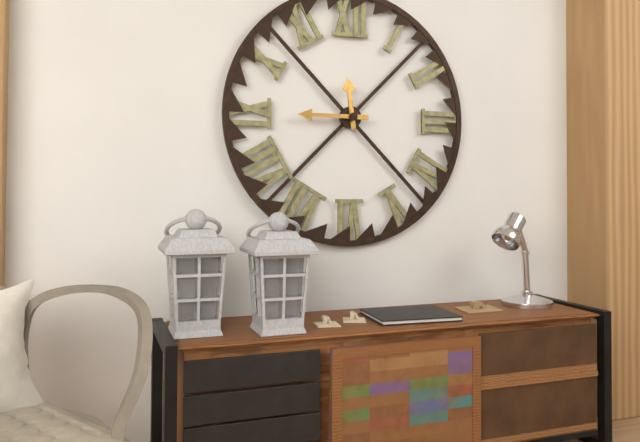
11:45
